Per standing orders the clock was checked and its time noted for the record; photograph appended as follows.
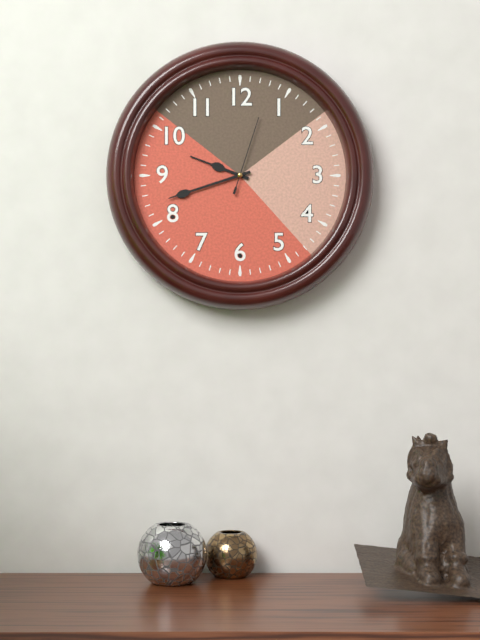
9:42:03
